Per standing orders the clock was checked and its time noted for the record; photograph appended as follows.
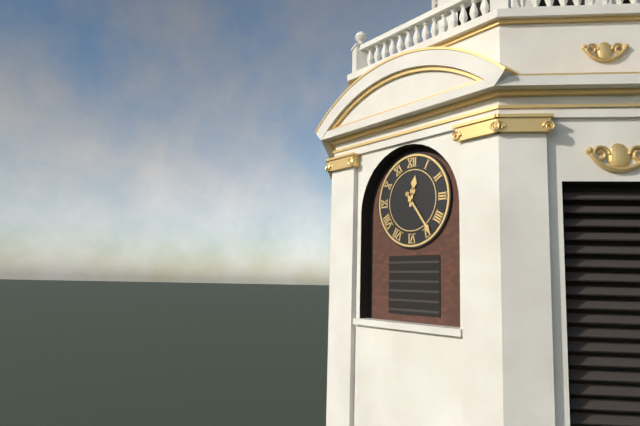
12:24
